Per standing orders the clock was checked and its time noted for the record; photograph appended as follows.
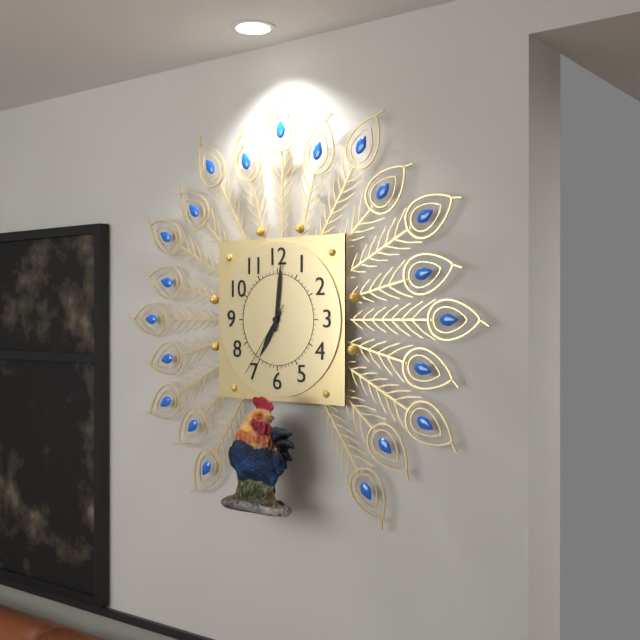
7:01:36
